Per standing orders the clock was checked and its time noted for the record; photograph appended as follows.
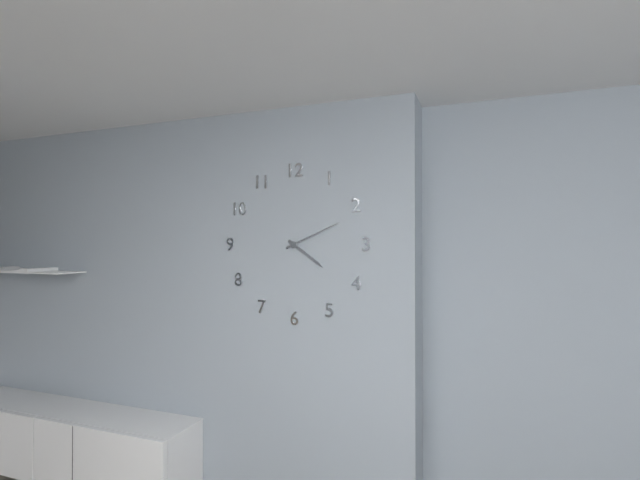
4:11
